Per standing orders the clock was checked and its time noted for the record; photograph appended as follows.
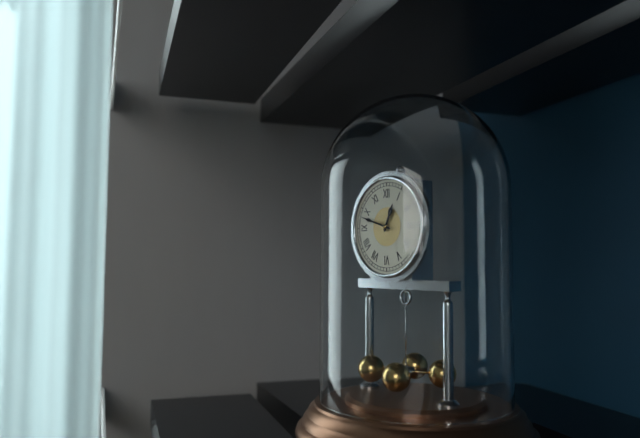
12:48
